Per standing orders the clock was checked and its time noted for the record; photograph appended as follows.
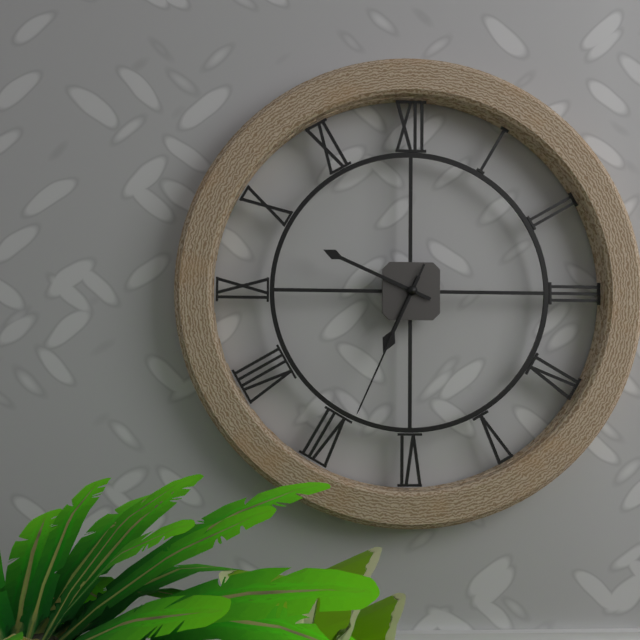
6:49:34
